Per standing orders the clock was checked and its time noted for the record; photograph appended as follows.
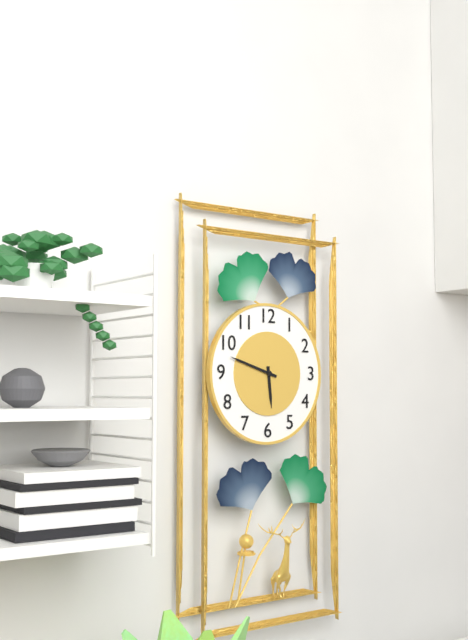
5:48
